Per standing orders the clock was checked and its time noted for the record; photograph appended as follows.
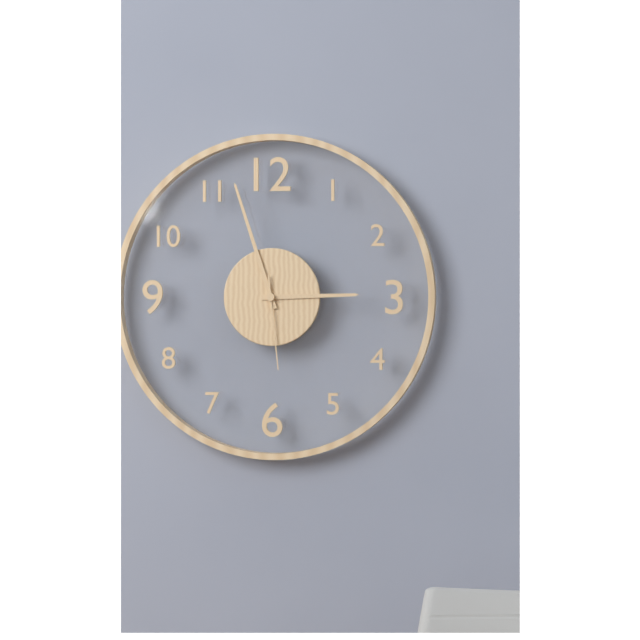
2:57:29
